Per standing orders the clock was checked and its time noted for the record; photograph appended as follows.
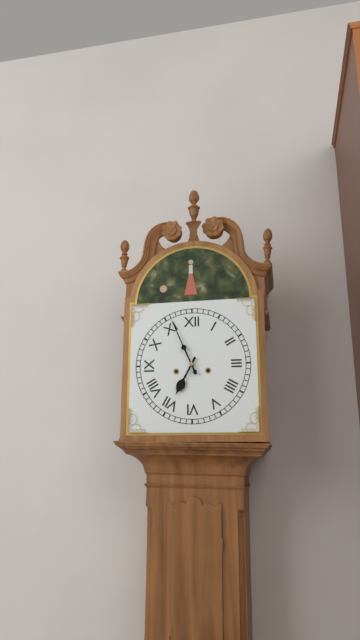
6:56
